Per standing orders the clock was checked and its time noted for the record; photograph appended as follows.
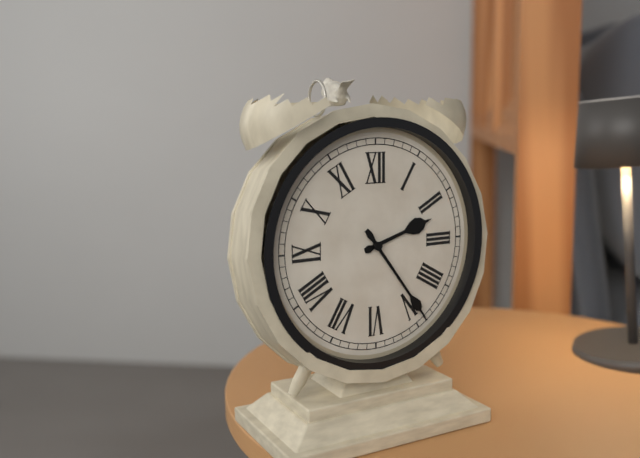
2:24
